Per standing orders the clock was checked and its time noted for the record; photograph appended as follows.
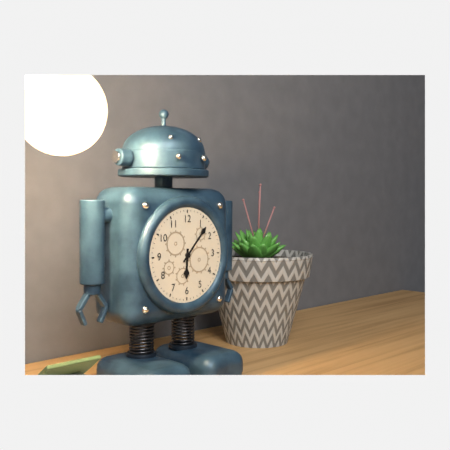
6:07
